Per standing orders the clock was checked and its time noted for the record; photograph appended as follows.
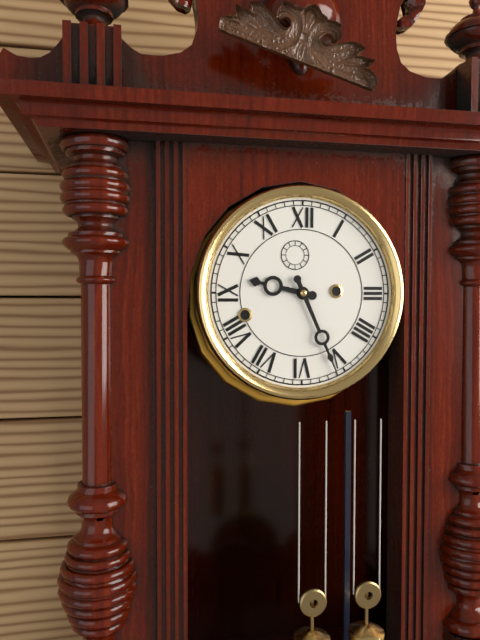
9:26
